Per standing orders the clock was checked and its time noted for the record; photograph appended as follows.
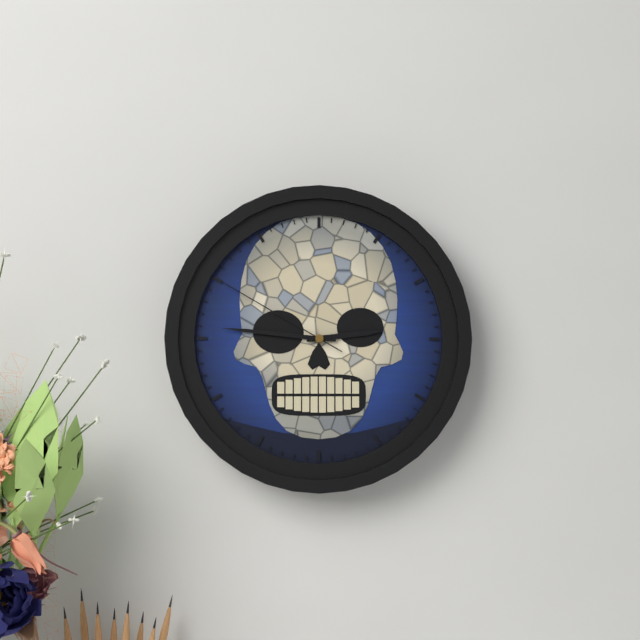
2:46:50
